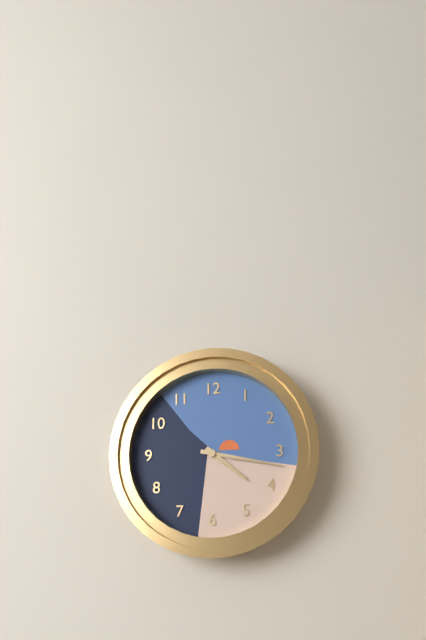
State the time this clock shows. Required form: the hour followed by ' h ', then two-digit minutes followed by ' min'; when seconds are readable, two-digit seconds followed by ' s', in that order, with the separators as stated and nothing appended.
4 h 17 min
